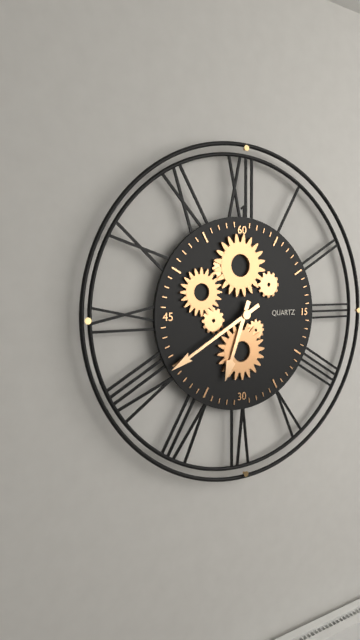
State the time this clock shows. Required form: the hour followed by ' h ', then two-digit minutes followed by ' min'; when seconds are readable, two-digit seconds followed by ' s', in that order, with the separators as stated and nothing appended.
6 h 40 min
